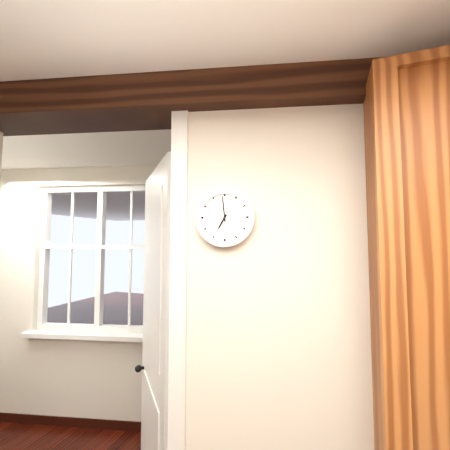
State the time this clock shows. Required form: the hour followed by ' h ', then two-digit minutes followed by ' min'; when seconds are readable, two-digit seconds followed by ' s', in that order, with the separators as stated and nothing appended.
6 h 59 min
